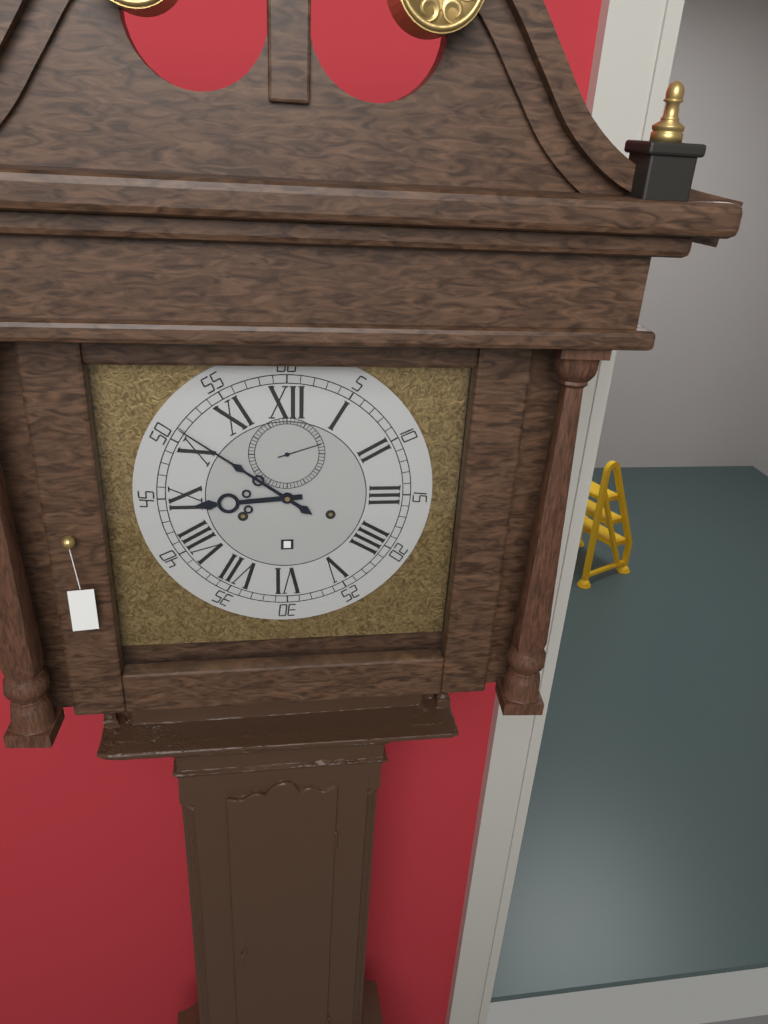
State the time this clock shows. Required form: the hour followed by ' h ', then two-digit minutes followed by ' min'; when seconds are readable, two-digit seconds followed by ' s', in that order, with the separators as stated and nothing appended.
8 h 51 min
